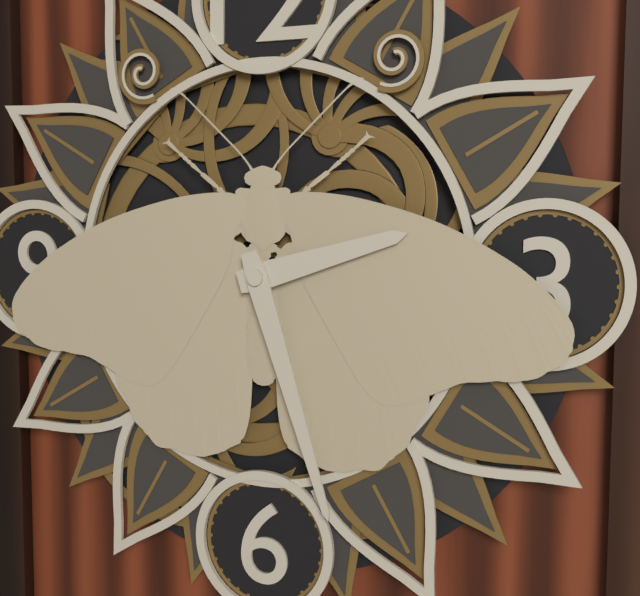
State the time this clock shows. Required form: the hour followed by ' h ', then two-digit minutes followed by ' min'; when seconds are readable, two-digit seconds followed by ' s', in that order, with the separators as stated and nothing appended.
2 h 27 min
